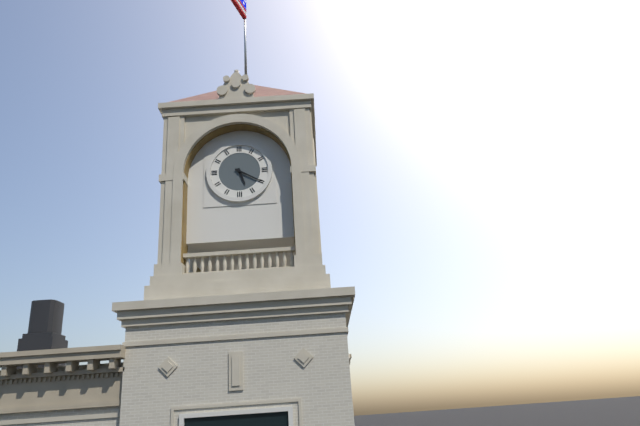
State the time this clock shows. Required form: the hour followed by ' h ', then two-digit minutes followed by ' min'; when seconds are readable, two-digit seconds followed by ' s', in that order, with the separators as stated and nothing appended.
5 h 20 min
